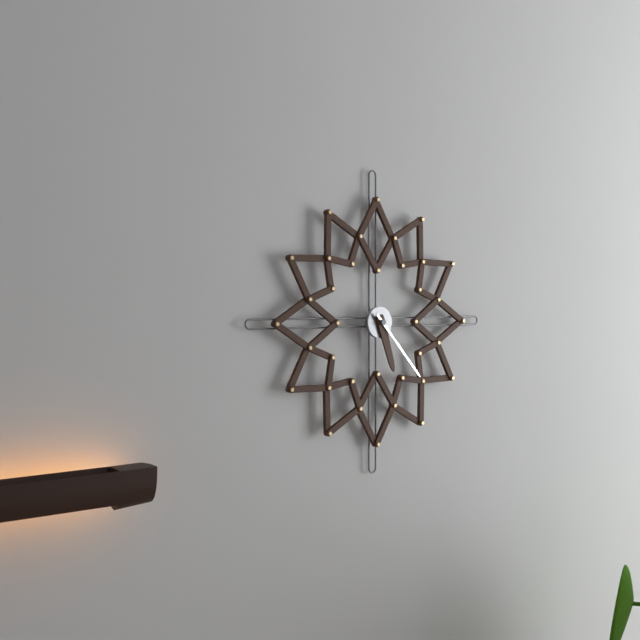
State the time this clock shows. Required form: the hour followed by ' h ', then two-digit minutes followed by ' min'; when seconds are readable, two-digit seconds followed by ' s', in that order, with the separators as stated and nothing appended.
5 h 23 min
